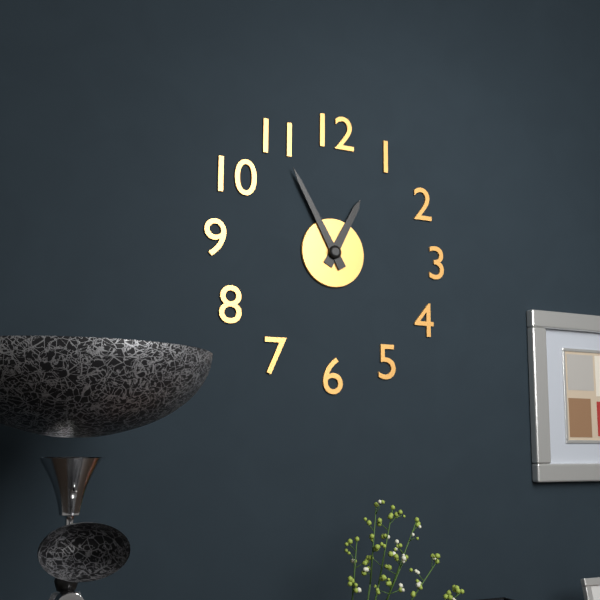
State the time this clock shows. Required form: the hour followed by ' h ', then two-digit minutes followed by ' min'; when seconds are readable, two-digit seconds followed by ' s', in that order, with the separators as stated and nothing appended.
12 h 55 min
